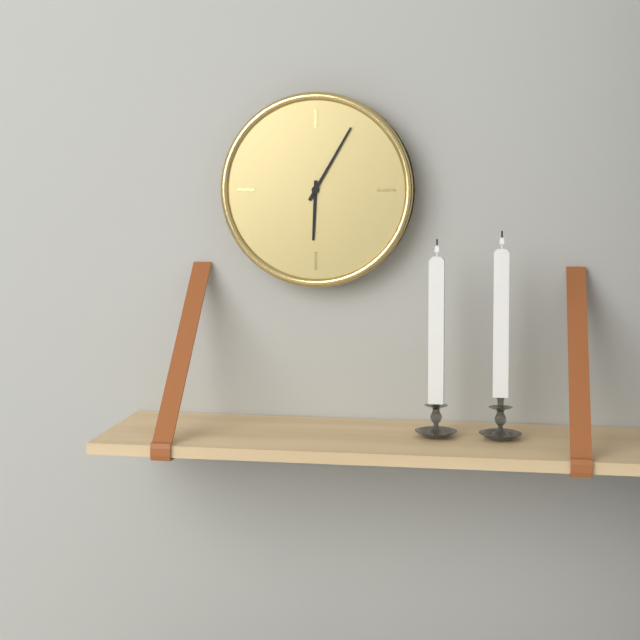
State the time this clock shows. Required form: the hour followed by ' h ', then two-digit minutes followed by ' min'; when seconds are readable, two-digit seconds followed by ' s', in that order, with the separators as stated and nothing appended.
6 h 05 min
